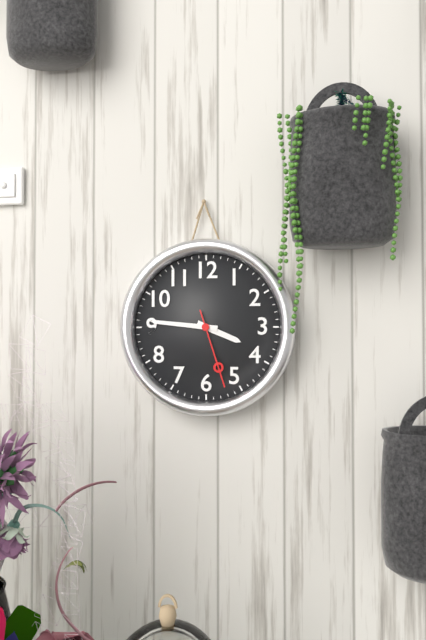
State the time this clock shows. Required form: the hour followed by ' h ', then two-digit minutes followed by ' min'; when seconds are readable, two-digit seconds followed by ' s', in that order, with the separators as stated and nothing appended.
3 h 46 min 27 s
